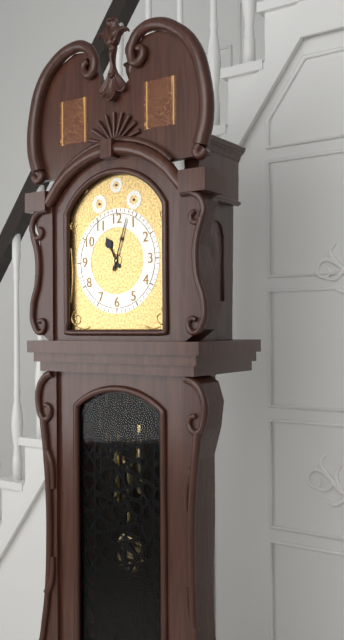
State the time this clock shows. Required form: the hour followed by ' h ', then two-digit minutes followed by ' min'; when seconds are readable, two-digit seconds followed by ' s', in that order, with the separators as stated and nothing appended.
11 h 03 min
